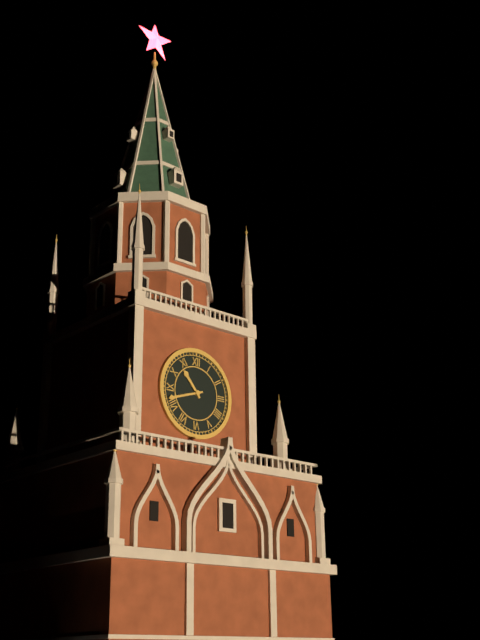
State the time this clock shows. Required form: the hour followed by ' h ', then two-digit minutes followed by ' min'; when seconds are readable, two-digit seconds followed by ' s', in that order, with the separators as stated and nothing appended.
10 h 42 min
